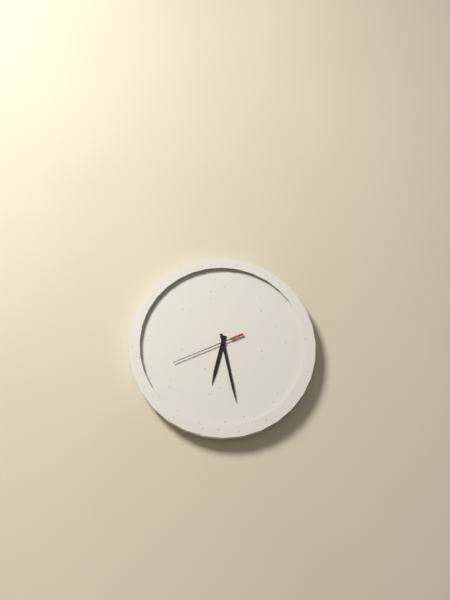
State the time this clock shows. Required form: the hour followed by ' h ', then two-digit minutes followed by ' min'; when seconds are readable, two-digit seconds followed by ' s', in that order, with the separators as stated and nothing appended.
6 h 28 min 41 s
